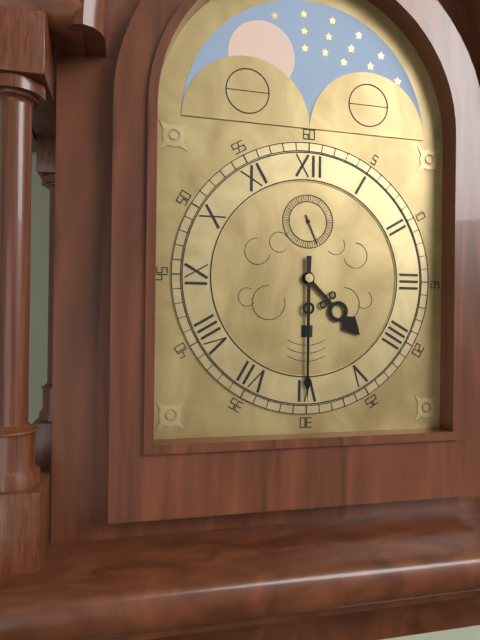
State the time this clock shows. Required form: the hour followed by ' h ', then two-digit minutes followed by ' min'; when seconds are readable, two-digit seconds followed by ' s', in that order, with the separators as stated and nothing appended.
4 h 30 min
